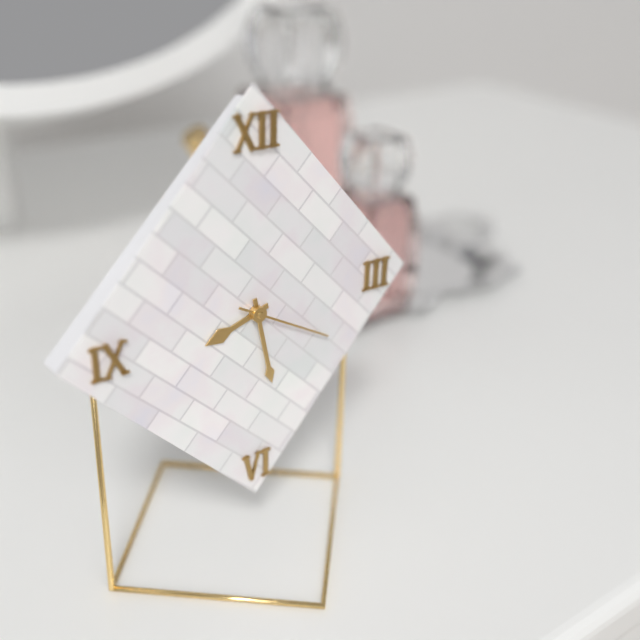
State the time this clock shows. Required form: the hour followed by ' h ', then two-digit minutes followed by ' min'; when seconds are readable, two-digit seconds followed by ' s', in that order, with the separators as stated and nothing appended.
8 h 28 min 20 s
